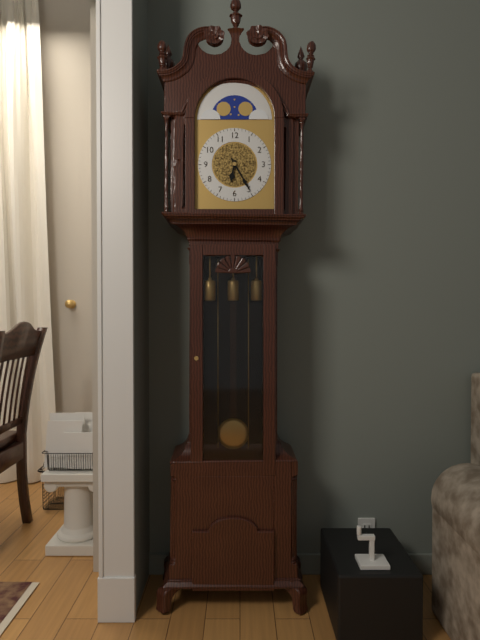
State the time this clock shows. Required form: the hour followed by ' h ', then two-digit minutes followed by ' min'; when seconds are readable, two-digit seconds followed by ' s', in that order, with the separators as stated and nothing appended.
6 h 25 min
